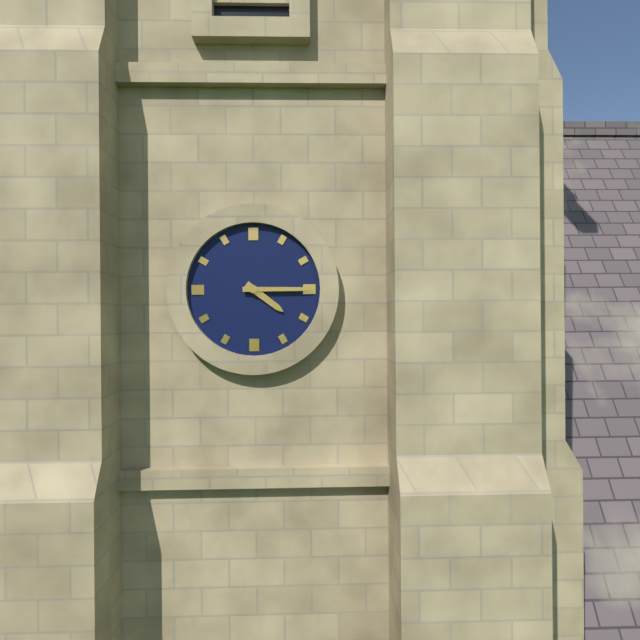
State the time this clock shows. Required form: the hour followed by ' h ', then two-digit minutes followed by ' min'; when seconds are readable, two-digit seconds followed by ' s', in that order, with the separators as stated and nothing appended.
4 h 15 min
